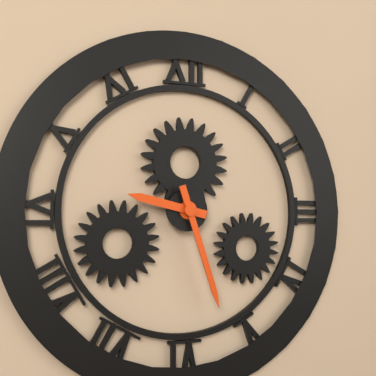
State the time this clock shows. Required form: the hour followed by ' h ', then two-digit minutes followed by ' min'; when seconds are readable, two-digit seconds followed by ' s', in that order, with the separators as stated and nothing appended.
9 h 27 min
